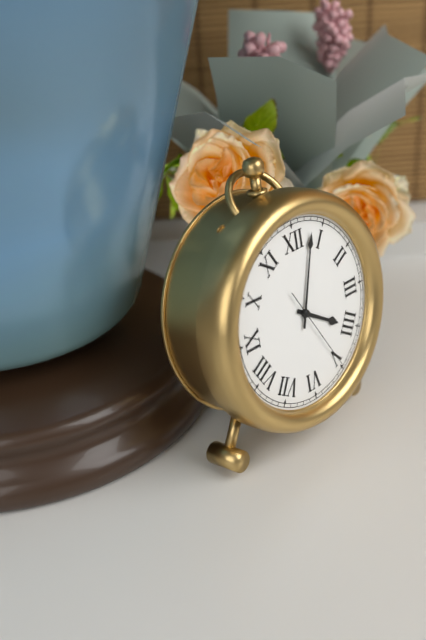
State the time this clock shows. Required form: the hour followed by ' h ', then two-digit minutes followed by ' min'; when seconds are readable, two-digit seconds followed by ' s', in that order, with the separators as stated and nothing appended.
4 h 03 min 25 s
